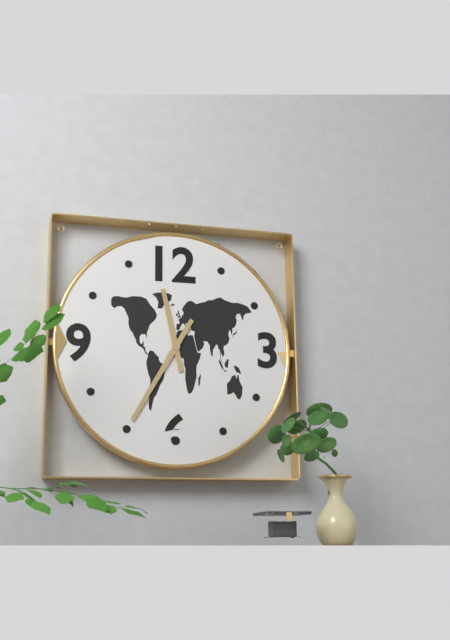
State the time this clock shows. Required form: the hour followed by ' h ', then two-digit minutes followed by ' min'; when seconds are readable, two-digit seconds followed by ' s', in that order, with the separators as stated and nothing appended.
11 h 35 min
